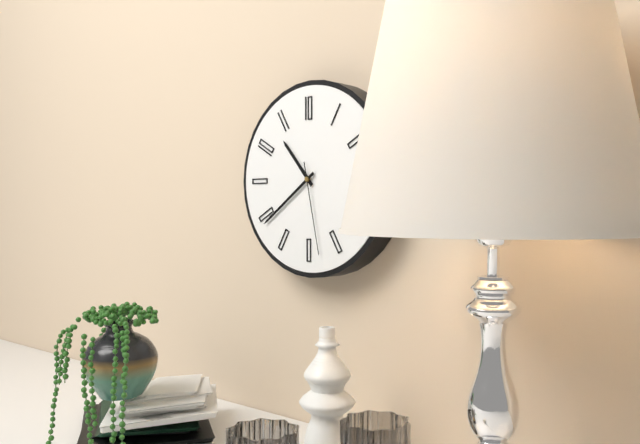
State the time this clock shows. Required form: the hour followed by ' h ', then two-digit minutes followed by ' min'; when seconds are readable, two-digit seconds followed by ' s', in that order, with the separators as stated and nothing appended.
10 h 39 min 28 s
